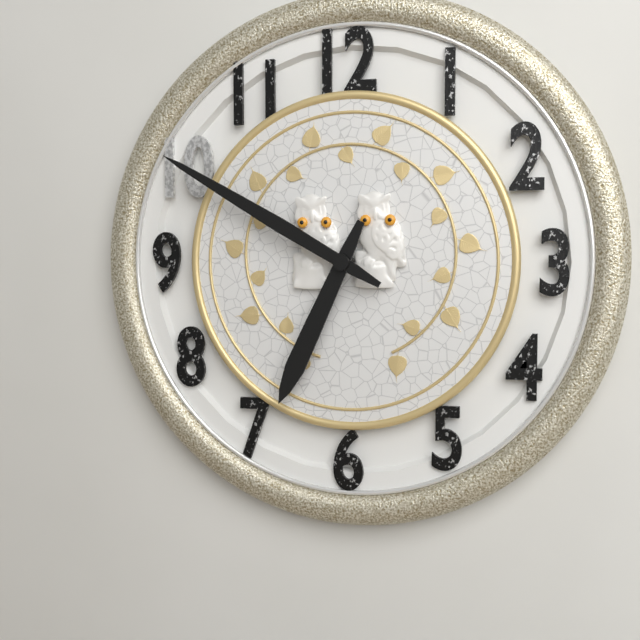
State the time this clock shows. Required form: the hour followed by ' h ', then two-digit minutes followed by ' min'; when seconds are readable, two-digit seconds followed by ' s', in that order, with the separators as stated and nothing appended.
6 h 50 min
